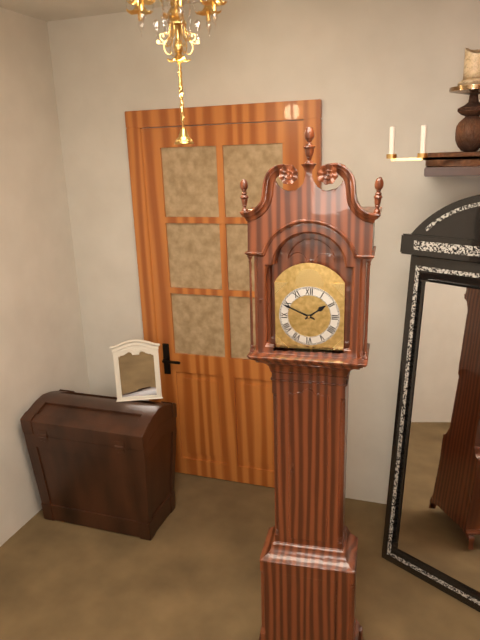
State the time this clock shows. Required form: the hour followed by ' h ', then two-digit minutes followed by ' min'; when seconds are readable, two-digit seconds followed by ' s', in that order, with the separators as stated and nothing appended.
1 h 49 min
